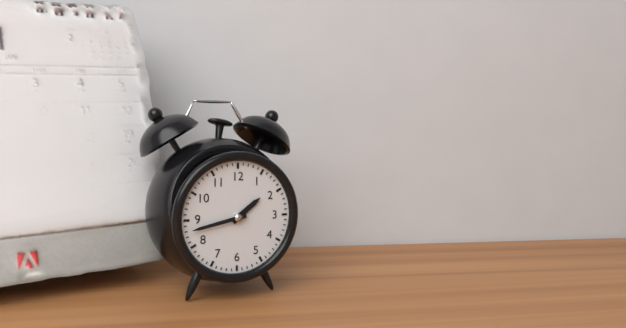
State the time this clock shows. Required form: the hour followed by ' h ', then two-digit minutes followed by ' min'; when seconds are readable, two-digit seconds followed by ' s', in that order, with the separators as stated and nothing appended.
1 h 43 min
